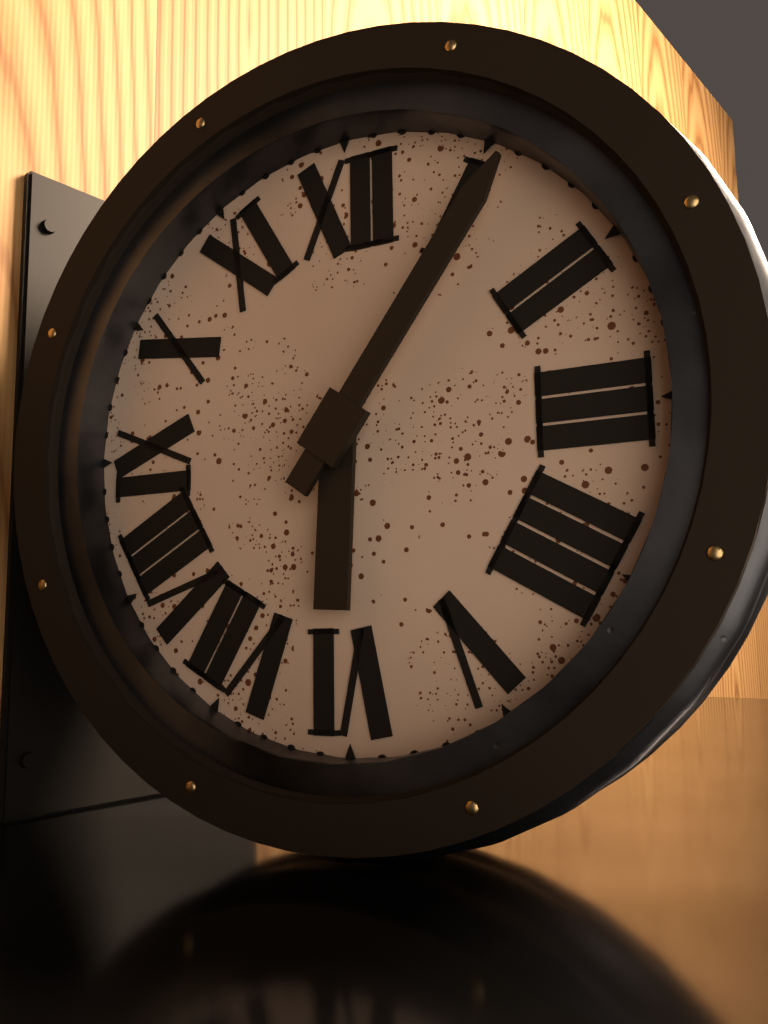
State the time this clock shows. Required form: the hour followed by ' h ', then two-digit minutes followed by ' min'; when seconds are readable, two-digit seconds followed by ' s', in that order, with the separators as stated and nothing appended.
6 h 06 min
